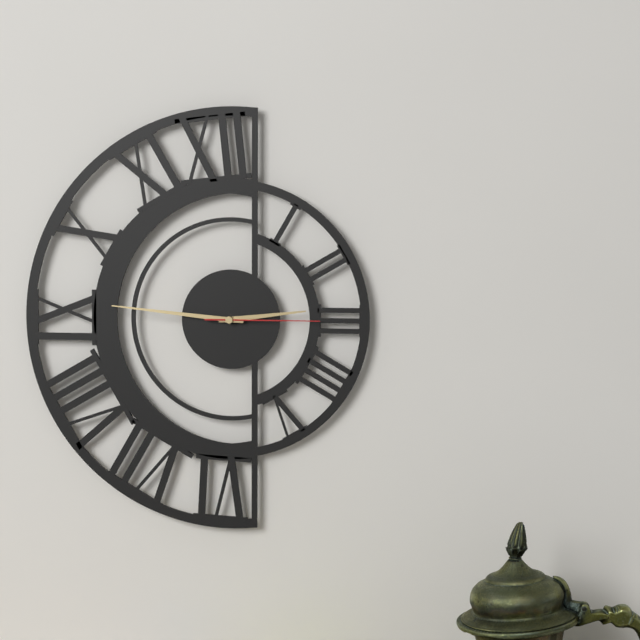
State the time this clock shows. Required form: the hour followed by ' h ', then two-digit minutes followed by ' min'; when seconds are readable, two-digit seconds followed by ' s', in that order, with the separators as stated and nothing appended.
2 h 46 min 15 s
